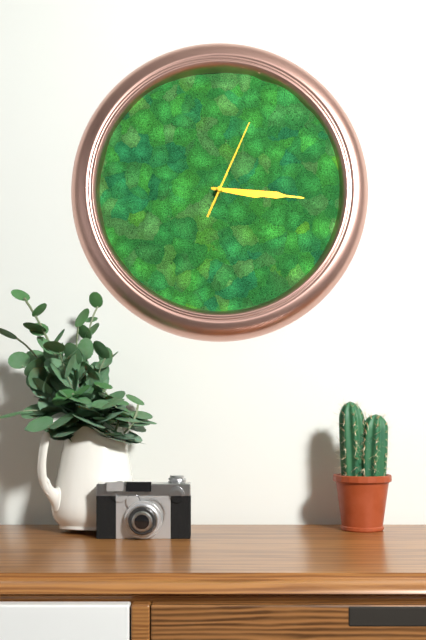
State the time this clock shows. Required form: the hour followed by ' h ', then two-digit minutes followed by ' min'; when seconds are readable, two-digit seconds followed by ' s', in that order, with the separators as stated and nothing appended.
3 h 16 min 04 s
